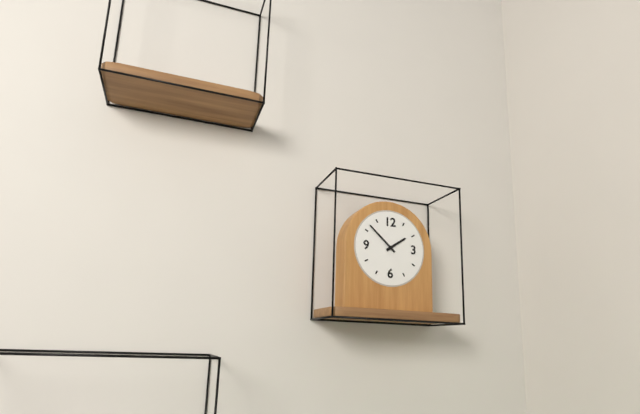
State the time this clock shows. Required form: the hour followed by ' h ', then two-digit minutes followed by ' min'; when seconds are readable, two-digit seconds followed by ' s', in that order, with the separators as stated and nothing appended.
1 h 52 min
